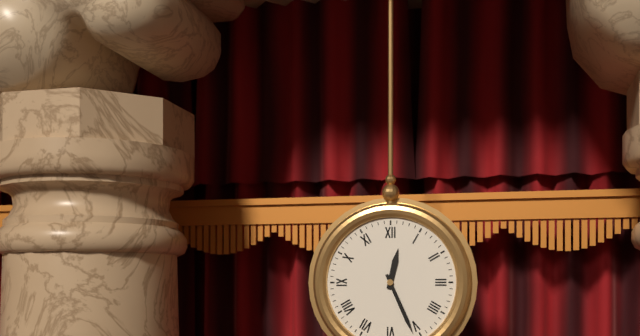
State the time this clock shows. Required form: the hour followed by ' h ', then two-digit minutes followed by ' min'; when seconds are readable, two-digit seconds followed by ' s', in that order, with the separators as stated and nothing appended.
12 h 26 min
